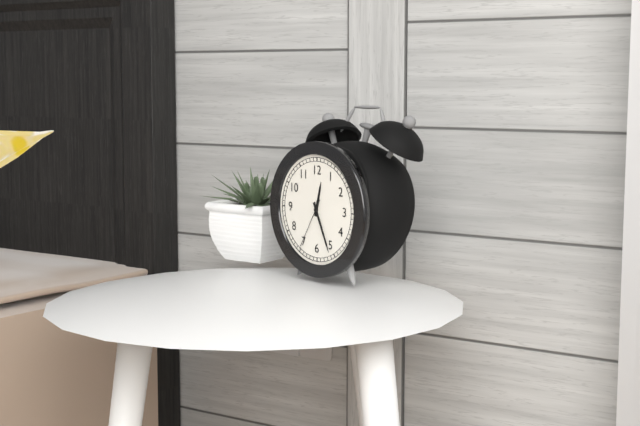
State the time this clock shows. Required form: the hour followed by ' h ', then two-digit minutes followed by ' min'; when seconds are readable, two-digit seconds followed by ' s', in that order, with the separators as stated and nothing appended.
12 h 26 min 35 s
